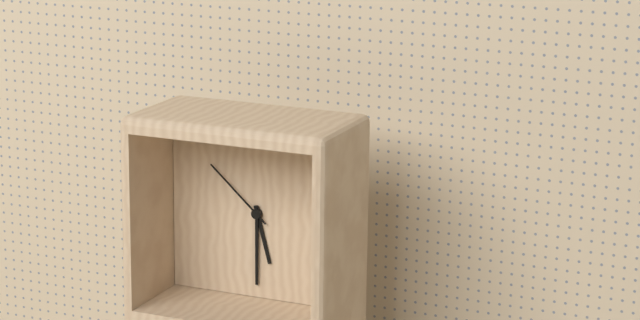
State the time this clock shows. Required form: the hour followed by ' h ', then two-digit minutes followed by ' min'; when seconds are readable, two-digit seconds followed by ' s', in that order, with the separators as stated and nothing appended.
5 h 30 min 52 s
